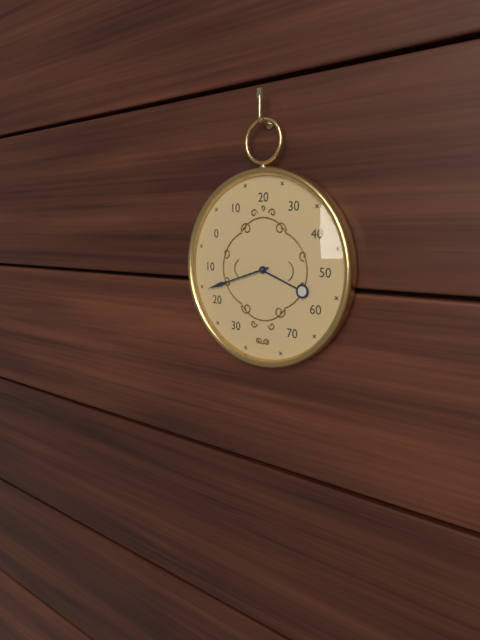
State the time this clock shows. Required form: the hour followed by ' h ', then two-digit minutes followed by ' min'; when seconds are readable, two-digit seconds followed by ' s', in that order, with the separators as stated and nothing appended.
3 h 42 min
